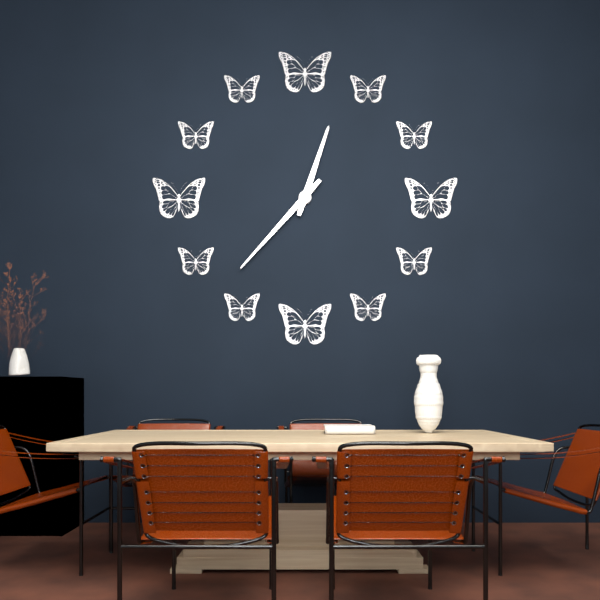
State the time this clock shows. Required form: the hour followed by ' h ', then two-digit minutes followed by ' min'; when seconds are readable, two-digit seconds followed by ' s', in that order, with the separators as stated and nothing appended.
12 h 37 min
